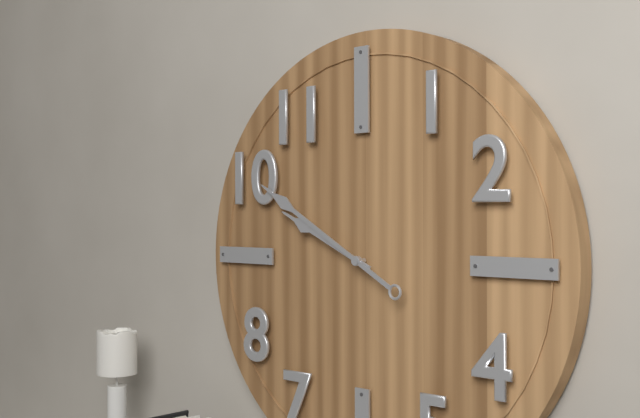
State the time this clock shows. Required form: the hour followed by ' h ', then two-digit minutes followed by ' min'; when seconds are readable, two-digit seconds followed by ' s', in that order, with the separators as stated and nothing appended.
9 h 50 min
